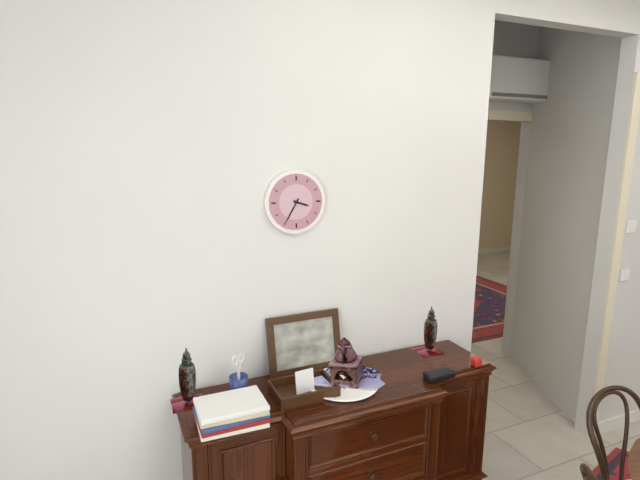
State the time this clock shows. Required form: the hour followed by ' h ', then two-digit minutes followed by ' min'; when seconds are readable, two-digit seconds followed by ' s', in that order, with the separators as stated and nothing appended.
3 h 35 min
